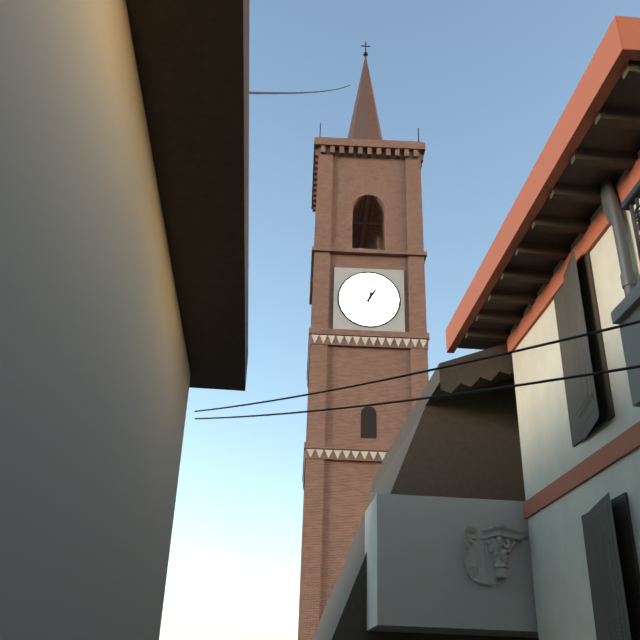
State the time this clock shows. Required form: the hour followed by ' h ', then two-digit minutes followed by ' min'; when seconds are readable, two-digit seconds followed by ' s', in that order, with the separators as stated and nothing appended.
1 h 02 min
